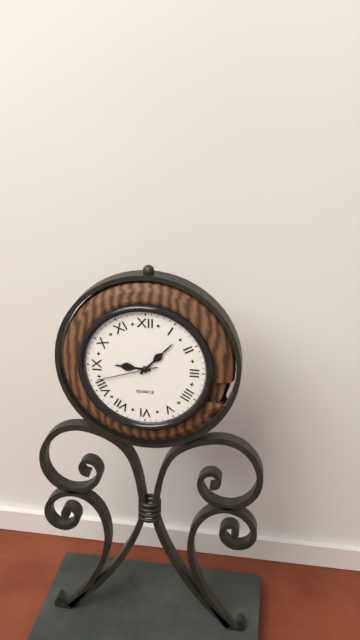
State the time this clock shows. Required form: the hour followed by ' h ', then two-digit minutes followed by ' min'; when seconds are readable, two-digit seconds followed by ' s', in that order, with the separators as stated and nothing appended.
9 h 07 min 42 s
